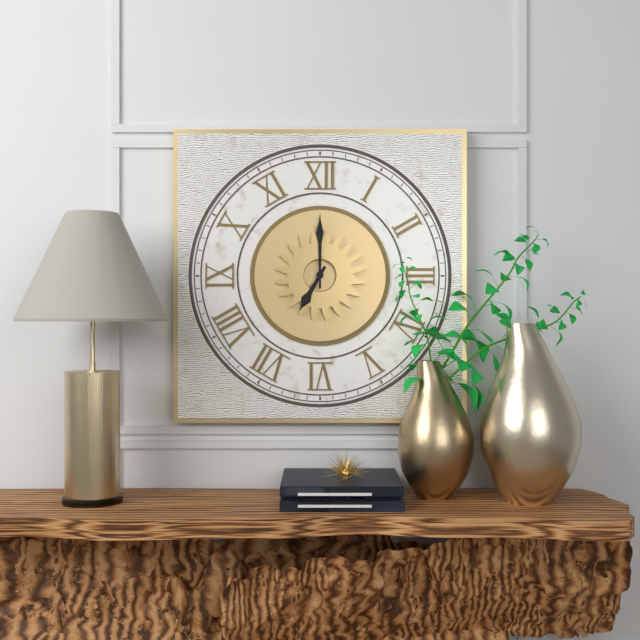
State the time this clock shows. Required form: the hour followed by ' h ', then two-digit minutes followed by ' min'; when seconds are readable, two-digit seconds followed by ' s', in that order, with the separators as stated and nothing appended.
7 h 00 min
